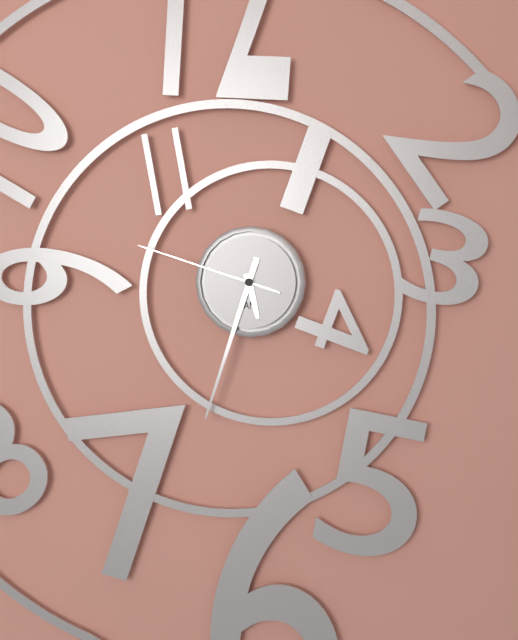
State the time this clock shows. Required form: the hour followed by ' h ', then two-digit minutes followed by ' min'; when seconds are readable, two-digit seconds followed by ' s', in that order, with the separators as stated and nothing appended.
5 h 33 min 48 s
